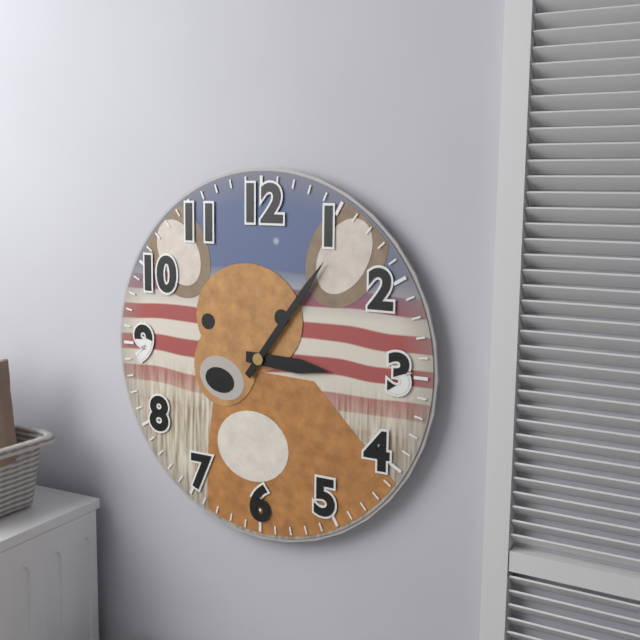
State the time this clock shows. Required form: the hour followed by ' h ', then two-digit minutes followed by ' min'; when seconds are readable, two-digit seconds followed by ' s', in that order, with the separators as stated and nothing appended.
3 h 06 min
